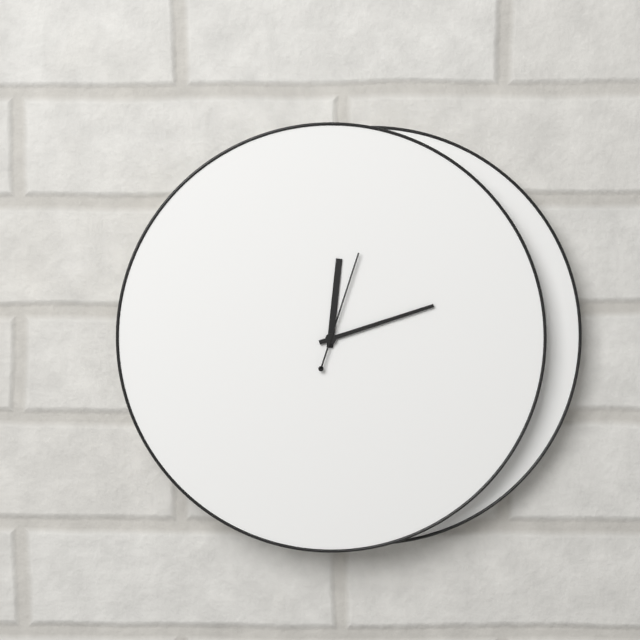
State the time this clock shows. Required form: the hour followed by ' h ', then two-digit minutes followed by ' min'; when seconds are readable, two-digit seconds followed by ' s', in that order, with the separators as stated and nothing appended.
12 h 12 min 03 s
